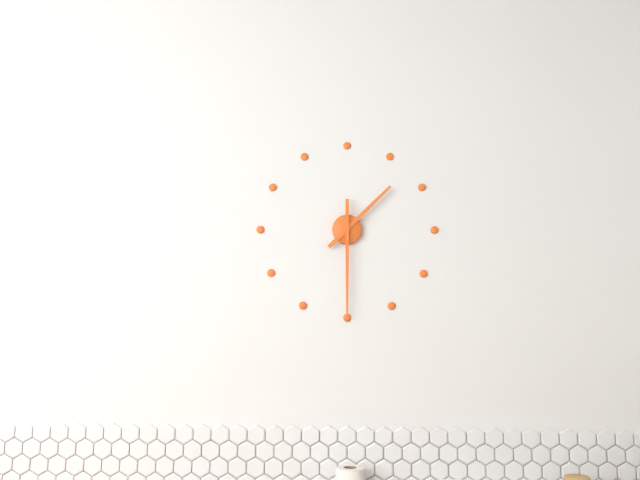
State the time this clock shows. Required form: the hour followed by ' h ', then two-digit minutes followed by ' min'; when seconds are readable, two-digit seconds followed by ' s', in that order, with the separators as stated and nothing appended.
1 h 30 min
